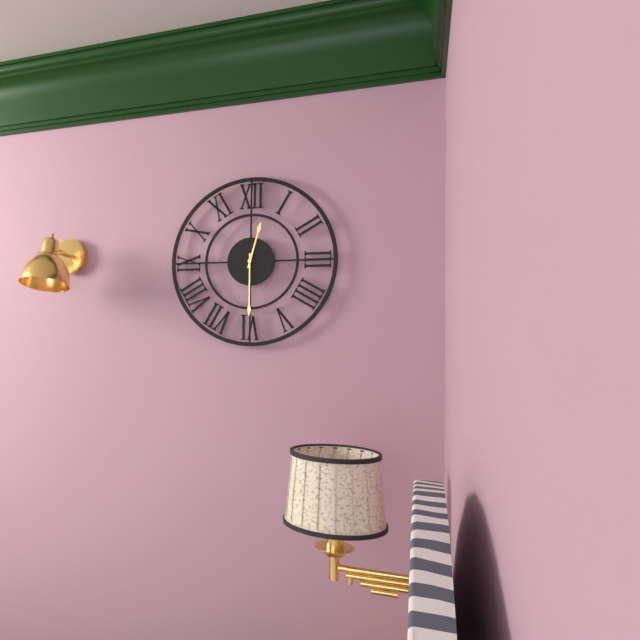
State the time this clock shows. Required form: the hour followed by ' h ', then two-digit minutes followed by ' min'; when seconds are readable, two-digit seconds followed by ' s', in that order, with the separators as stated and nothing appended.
12 h 30 min
